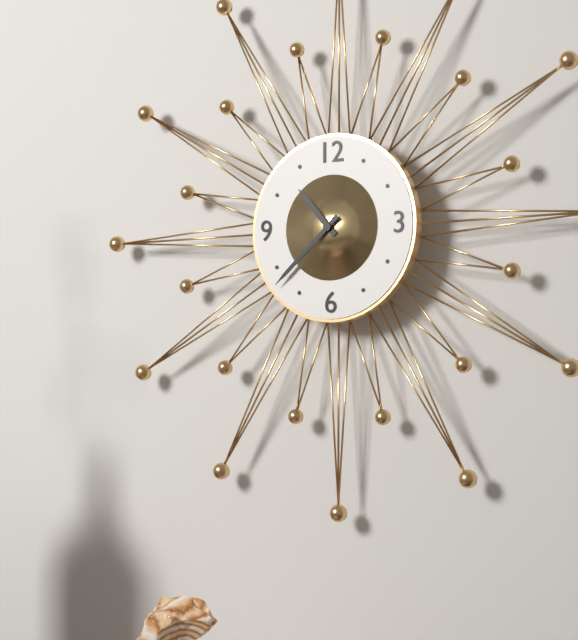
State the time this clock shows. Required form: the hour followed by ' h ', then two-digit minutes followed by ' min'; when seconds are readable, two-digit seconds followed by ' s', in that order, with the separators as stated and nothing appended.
10 h 38 min
